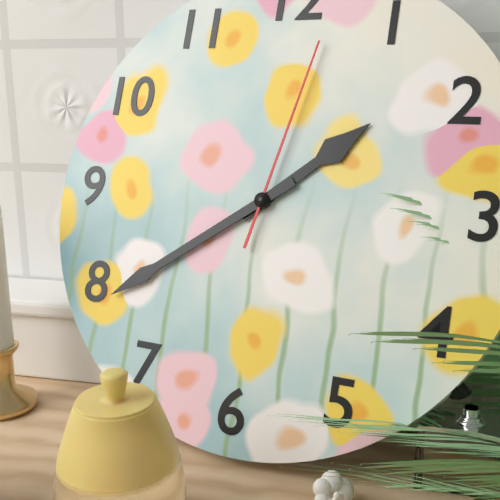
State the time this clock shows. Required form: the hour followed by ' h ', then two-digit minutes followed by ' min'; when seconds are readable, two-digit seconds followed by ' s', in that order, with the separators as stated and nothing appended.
1 h 39 min 02 s
